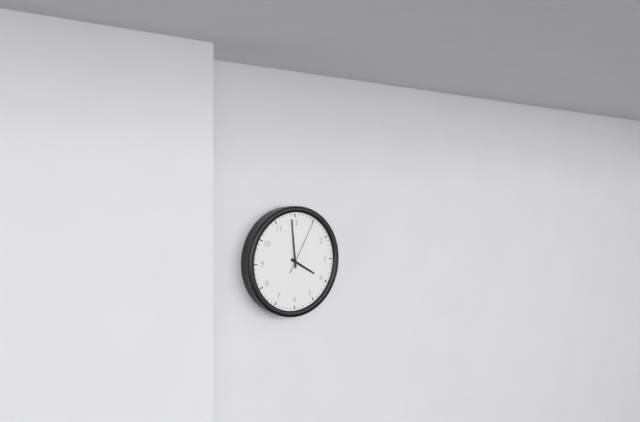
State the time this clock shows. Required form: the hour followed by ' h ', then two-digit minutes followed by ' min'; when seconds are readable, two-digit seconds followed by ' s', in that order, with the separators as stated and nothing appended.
3 h 59 min 05 s
